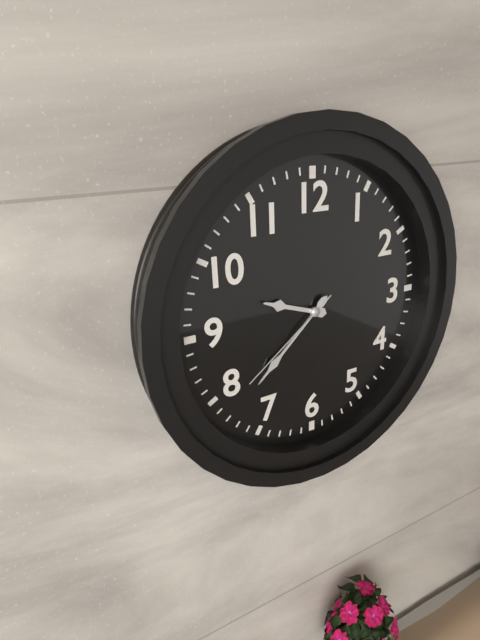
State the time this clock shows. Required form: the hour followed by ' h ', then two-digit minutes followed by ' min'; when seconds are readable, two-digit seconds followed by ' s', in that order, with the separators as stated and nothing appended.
9 h 38 min 39 s
